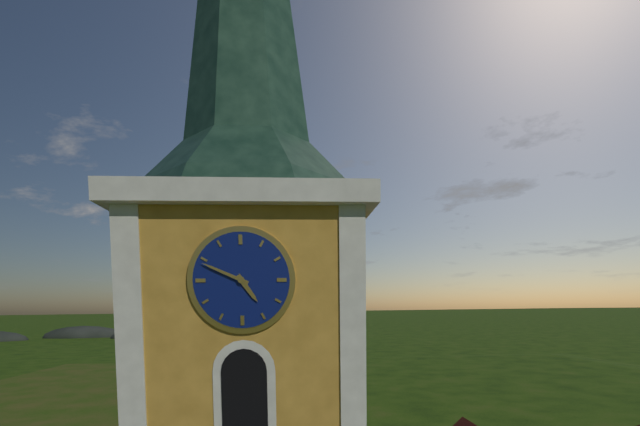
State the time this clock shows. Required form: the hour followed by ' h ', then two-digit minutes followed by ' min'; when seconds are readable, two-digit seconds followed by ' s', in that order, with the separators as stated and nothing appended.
4 h 49 min
